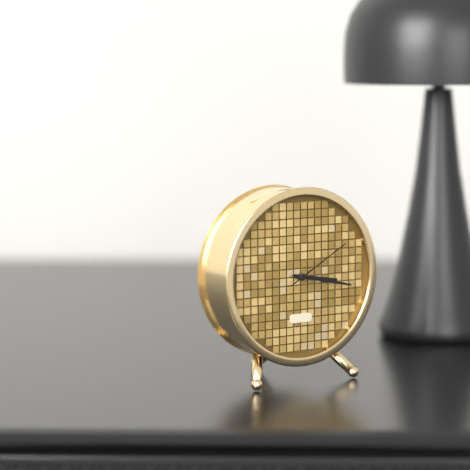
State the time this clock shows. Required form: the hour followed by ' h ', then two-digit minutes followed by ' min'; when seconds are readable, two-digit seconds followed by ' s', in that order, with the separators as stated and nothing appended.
3 h 17 min 10 s
